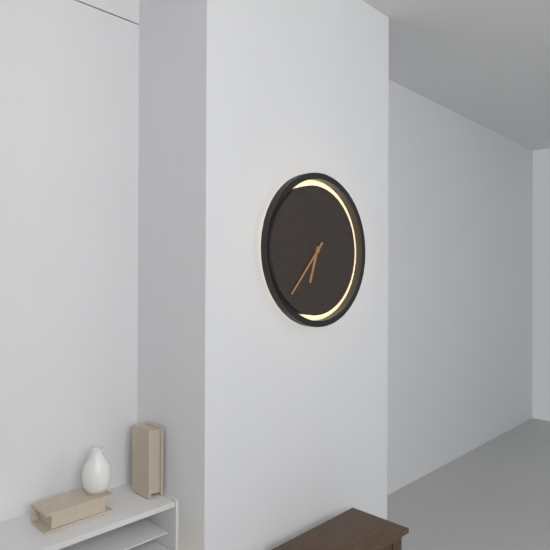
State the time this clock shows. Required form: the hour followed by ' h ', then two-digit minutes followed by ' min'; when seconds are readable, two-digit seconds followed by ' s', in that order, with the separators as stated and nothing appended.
6 h 37 min
